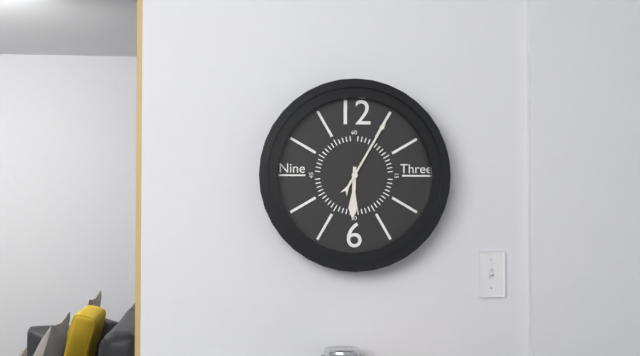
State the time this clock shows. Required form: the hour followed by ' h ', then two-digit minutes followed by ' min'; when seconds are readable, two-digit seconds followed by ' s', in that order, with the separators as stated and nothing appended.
6 h 05 min
